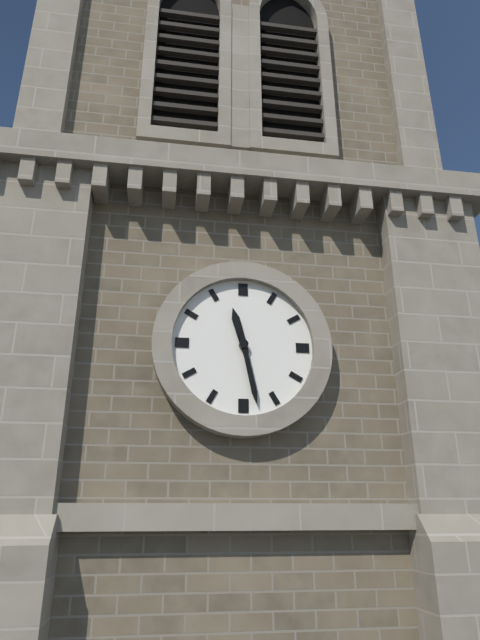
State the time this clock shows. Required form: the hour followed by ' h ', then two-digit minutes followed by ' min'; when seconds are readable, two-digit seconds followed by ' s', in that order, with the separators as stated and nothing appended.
11 h 28 min
